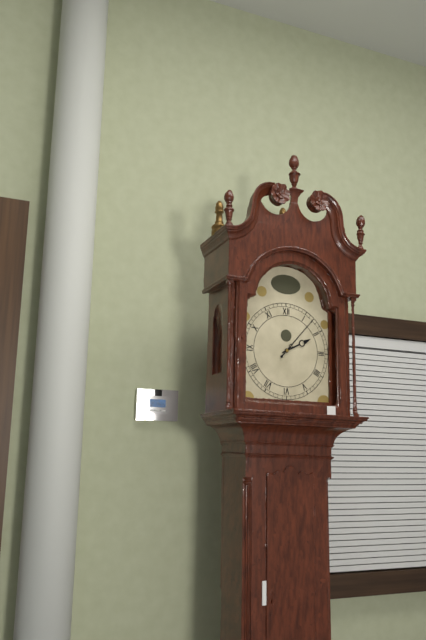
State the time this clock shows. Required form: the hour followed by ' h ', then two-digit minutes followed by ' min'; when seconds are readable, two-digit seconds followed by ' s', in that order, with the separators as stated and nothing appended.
2 h 07 min
